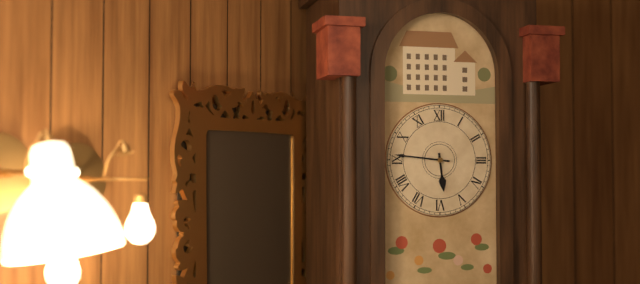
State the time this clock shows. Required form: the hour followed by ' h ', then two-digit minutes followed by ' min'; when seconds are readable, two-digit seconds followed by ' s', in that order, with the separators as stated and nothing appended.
5 h 46 min
